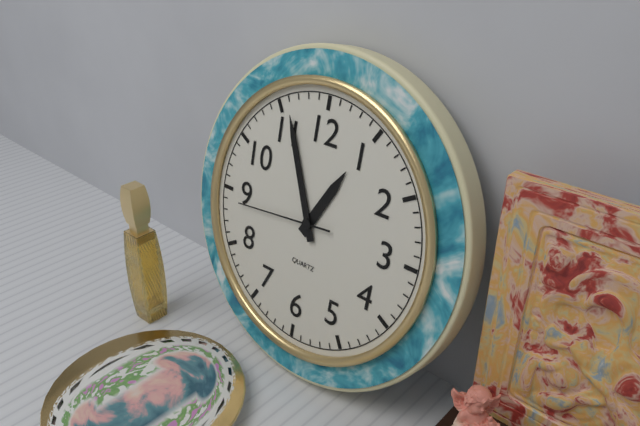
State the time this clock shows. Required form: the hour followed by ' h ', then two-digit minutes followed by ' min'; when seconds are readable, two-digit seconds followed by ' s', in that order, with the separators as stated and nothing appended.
12 h 56 min 44 s
